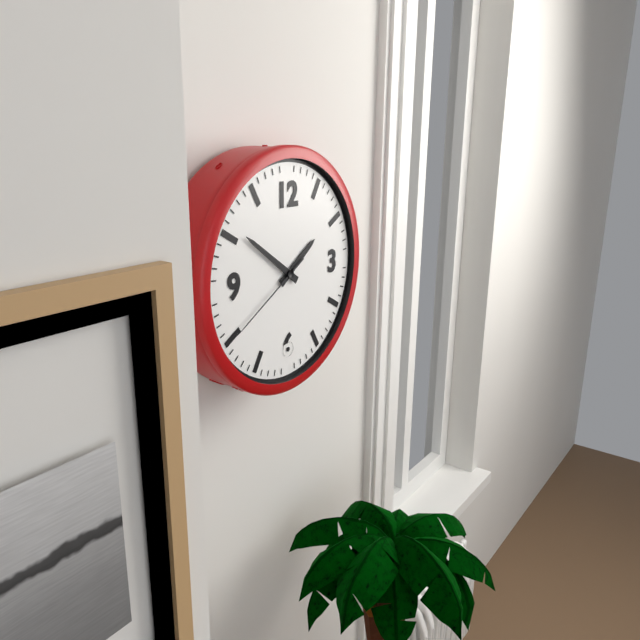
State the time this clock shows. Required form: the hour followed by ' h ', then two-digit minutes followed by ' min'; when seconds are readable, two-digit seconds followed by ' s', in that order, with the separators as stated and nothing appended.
1 h 51 min 40 s
